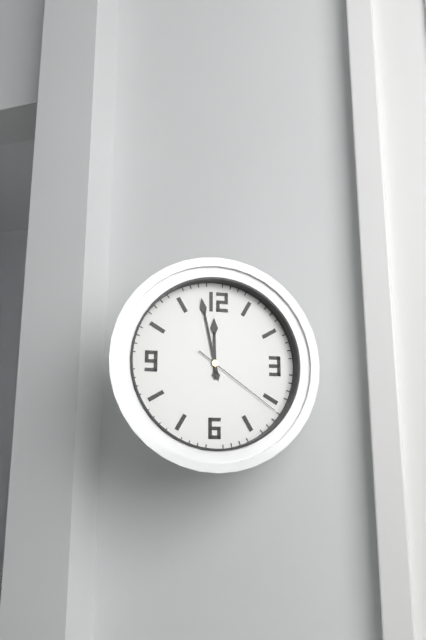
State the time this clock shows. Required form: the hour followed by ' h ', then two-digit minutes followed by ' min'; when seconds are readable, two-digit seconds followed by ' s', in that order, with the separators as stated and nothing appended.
11 h 58 min 21 s
